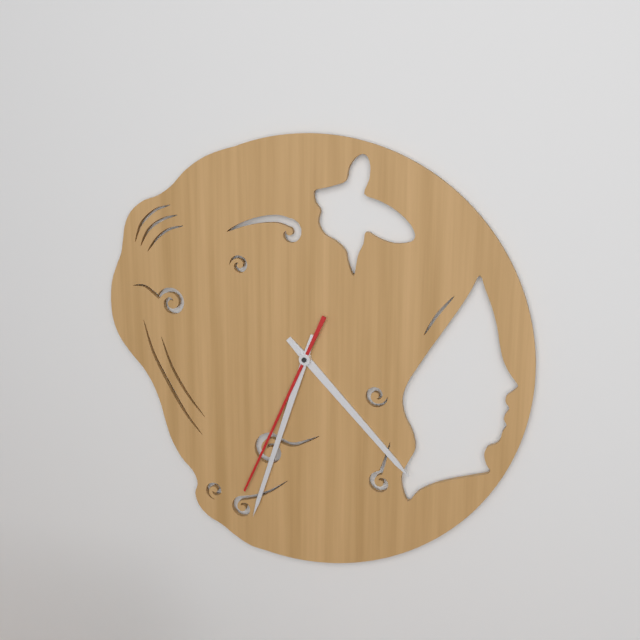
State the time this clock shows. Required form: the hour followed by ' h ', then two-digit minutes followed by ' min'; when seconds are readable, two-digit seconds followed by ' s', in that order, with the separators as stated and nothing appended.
4 h 33 min 34 s
